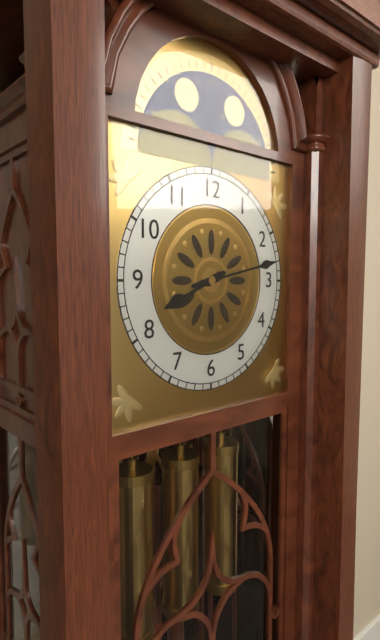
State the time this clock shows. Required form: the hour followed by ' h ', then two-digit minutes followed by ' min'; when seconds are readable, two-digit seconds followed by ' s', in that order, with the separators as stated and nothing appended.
8 h 13 min
